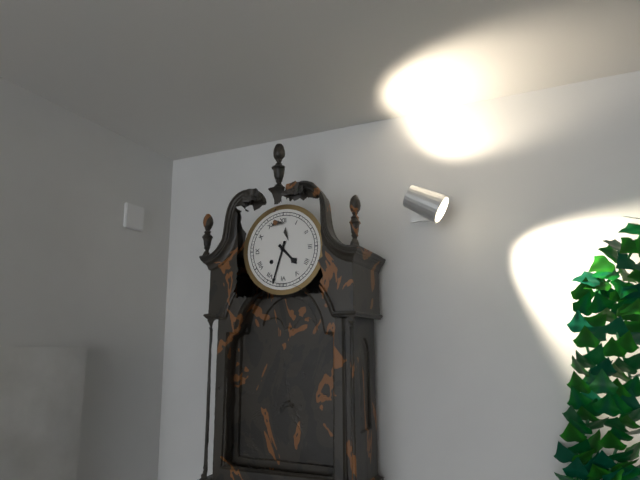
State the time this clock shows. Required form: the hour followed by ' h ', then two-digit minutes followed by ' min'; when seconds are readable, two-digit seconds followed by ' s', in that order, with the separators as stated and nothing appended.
4 h 33 min
